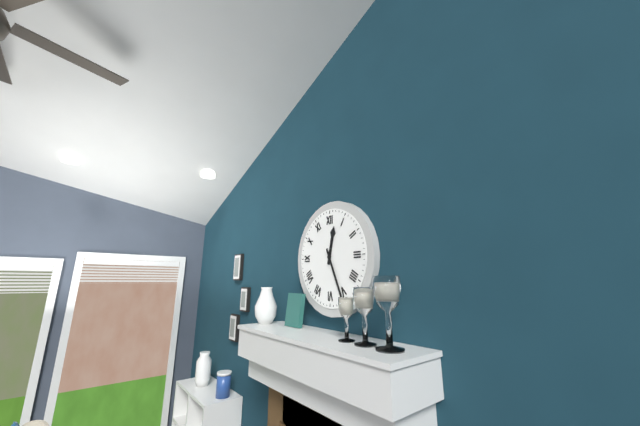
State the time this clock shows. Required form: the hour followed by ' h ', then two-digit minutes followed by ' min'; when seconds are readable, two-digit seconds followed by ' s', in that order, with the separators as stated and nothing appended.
12 h 26 min
